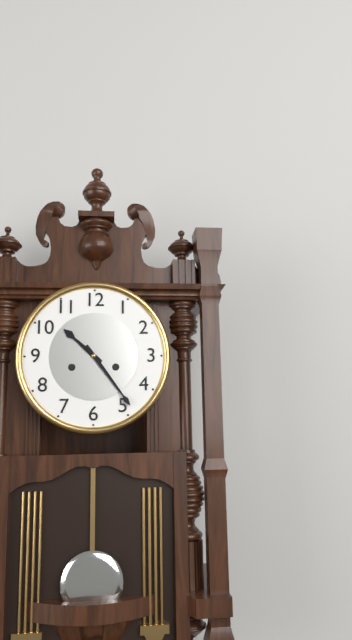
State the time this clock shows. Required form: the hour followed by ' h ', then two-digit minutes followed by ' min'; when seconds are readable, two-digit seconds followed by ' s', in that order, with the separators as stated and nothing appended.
10 h 24 min
